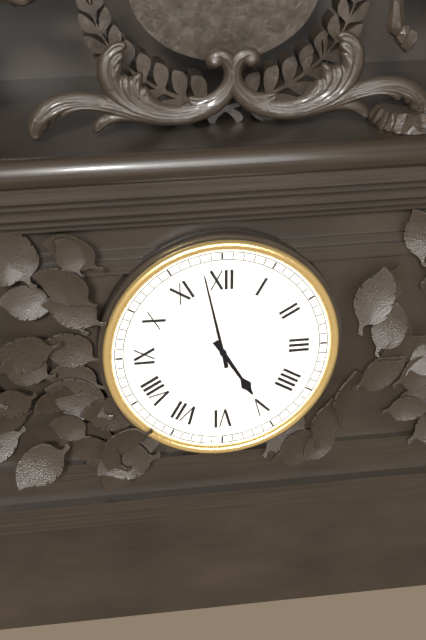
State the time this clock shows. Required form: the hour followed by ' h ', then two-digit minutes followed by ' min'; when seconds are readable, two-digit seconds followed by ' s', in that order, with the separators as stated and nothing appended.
4 h 58 min
